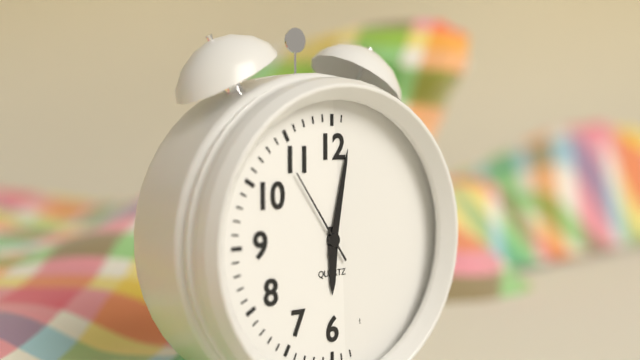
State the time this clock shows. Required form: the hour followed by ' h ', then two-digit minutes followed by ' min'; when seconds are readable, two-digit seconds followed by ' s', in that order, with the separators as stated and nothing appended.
6 h 02 min 54 s
